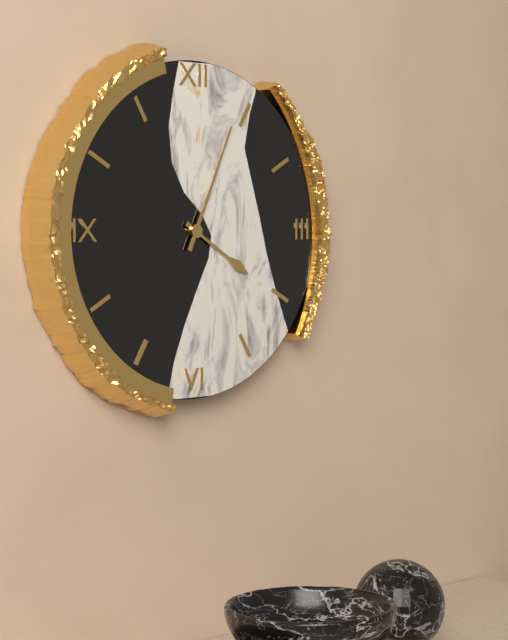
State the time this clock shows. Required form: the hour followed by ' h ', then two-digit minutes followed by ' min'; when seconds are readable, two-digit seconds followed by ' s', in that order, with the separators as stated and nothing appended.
4 h 04 min
